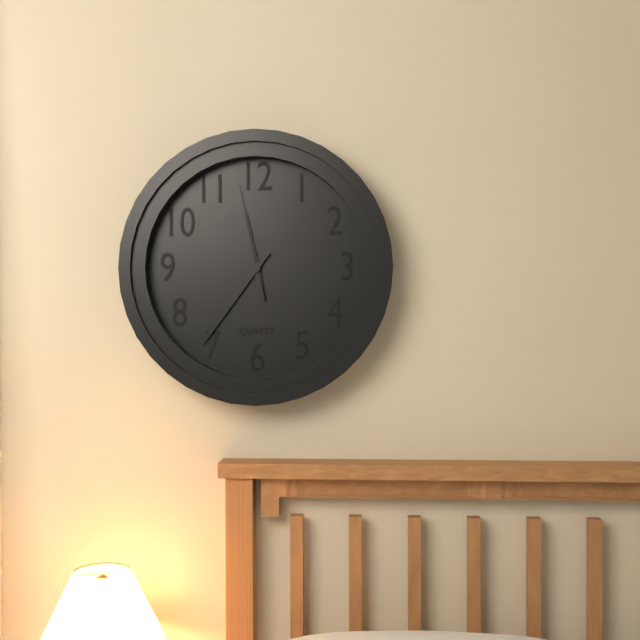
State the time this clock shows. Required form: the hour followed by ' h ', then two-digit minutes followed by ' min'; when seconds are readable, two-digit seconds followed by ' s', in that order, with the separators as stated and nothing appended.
11 h 36 min 58 s
